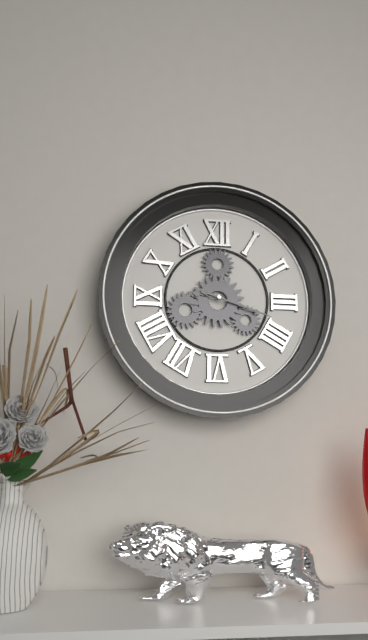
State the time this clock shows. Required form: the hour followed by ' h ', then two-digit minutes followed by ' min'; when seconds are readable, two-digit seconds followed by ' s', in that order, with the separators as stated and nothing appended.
9 h 18 min
